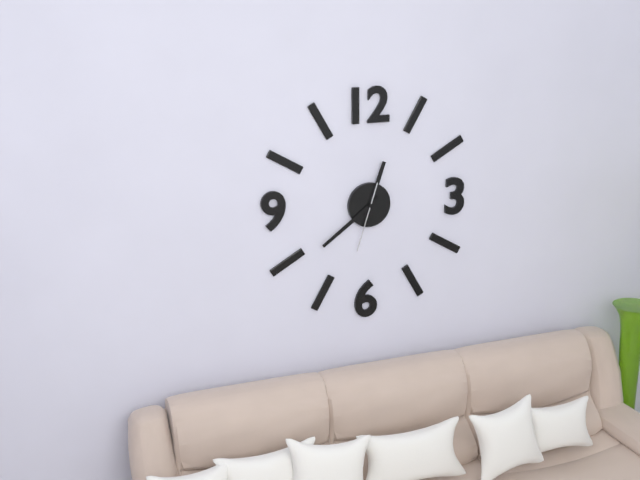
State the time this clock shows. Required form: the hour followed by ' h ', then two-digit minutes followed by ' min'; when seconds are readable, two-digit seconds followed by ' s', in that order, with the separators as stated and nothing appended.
12 h 39 min 33 s
